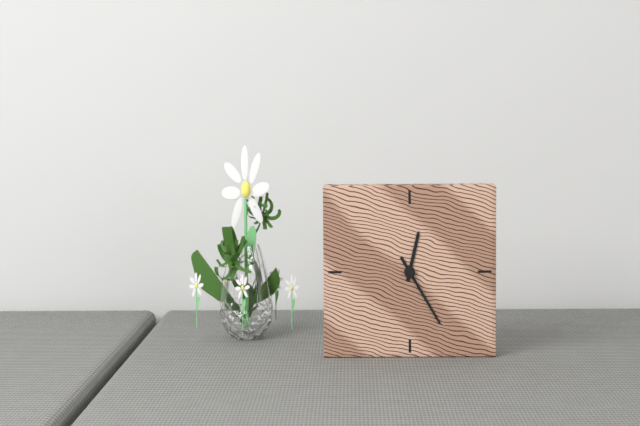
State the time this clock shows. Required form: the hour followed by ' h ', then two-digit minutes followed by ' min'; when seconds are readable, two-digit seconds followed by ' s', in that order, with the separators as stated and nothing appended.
12 h 25 min
